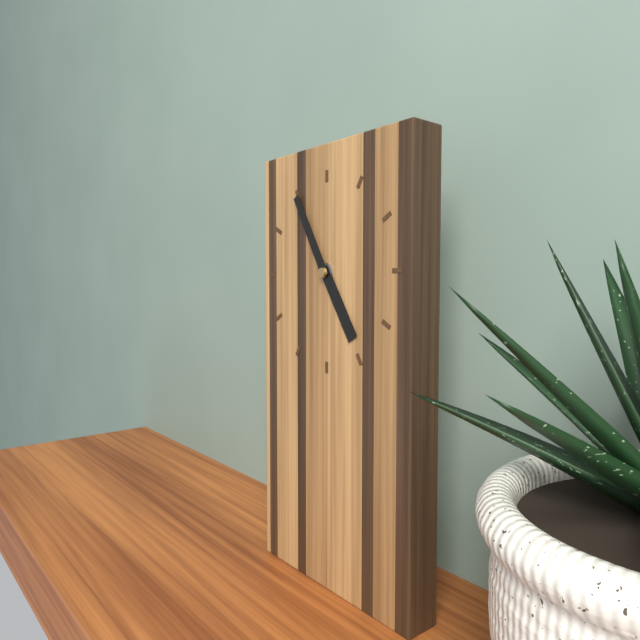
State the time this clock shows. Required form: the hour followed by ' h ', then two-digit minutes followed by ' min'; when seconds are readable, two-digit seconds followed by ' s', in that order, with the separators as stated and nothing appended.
4 h 55 min
